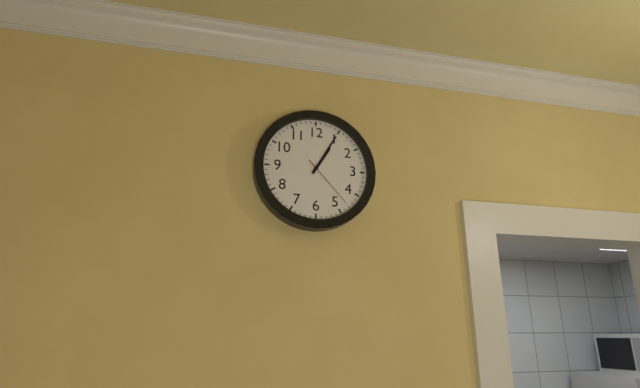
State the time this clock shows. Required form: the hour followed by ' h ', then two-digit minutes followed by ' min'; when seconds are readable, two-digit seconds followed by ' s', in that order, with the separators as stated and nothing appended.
1 h 05 min 23 s
